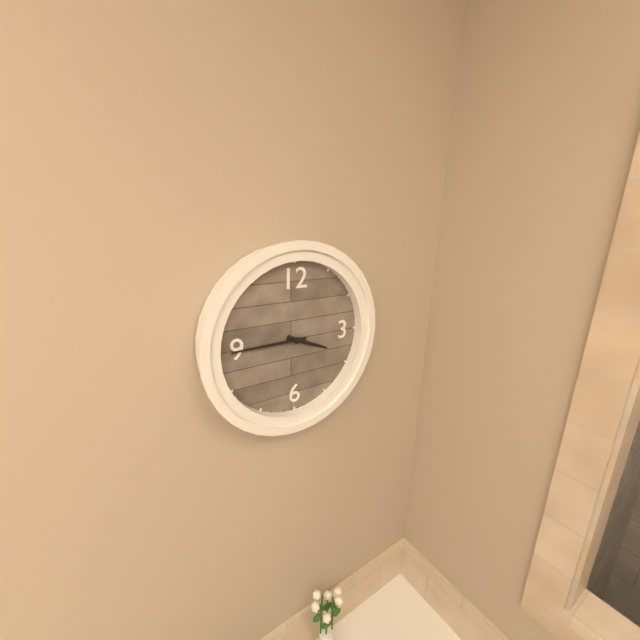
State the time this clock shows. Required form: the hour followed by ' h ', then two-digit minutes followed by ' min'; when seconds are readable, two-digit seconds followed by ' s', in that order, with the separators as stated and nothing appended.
3 h 45 min
